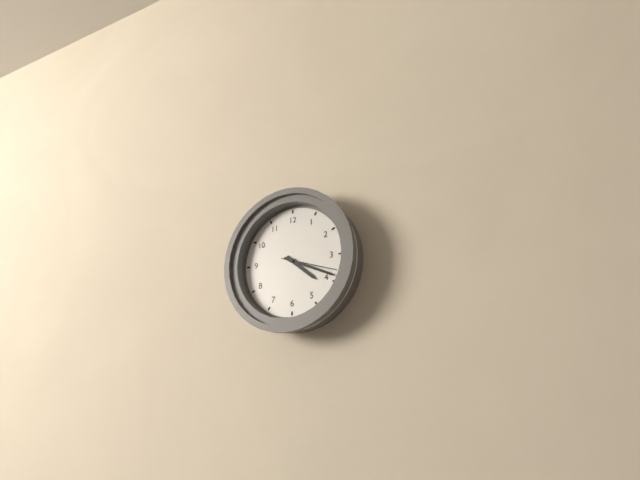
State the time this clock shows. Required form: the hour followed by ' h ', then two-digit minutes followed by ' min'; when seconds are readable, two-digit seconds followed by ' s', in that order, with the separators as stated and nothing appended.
4 h 19 min
